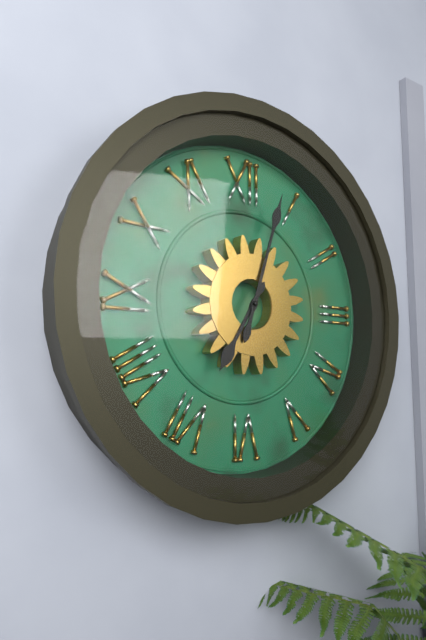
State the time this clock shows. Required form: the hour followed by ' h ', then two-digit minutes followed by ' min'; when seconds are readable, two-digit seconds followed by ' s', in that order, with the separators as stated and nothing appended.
7 h 03 min
